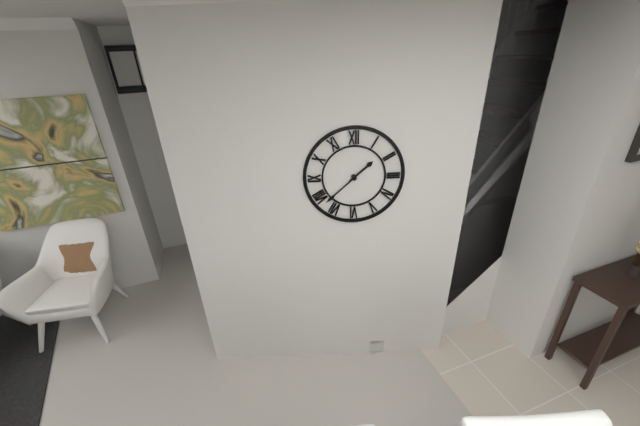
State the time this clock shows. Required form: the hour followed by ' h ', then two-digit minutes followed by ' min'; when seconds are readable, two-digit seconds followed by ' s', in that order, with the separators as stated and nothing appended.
1 h 38 min
